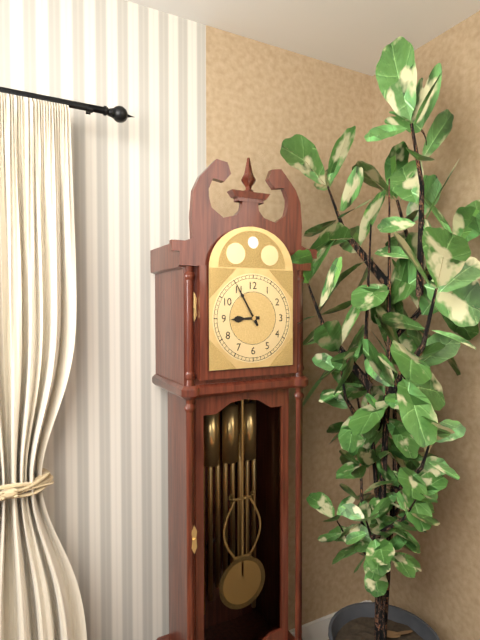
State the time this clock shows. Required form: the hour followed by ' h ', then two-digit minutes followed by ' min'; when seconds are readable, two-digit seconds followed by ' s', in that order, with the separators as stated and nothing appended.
8 h 55 min
